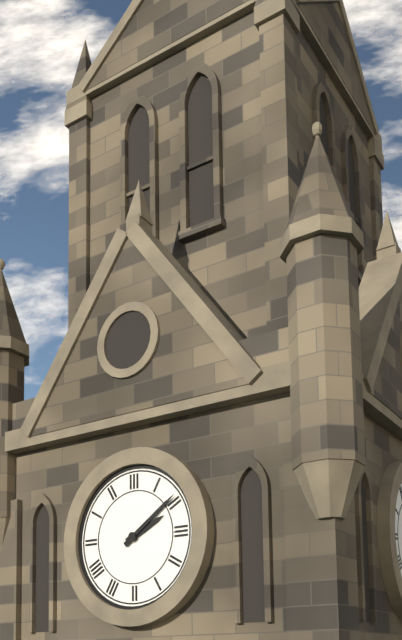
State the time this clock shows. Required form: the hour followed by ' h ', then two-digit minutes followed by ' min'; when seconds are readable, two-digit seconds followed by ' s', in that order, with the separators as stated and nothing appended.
2 h 09 min
